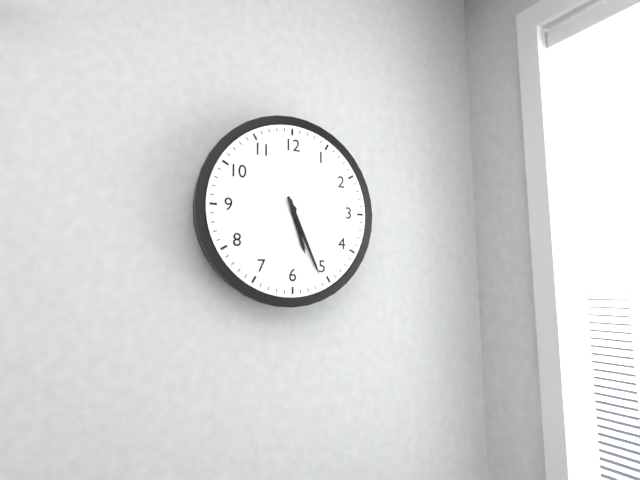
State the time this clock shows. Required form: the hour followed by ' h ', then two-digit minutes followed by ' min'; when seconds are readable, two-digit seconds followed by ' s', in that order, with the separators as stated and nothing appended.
5 h 26 min
